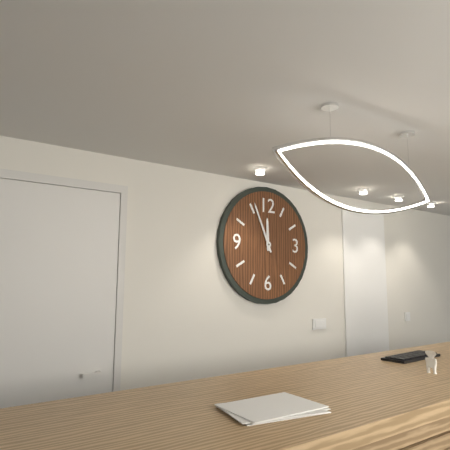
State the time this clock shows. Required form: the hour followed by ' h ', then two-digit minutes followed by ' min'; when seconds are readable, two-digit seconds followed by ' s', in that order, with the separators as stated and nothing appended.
11 h 56 min
